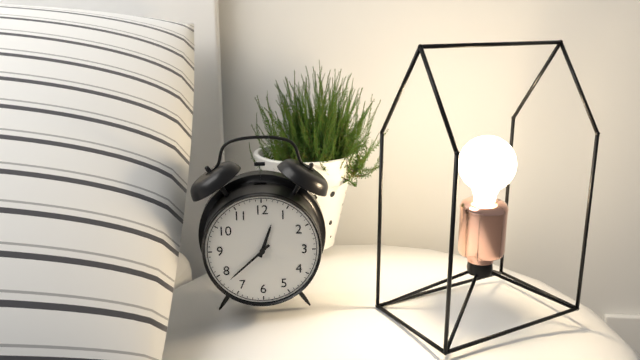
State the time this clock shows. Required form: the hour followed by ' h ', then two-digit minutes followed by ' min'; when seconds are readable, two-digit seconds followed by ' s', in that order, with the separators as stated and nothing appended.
12 h 38 min
